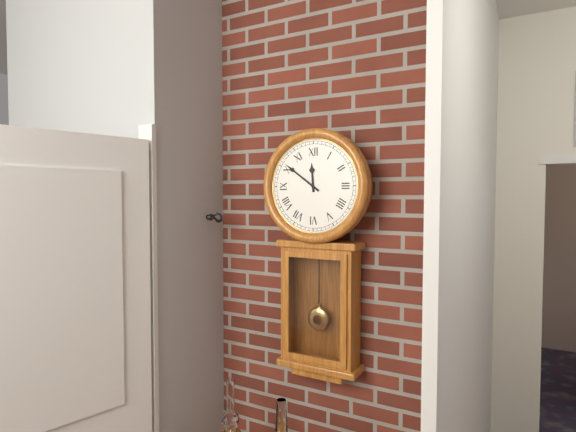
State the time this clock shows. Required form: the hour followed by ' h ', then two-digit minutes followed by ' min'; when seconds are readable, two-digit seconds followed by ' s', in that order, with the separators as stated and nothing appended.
11 h 51 min
